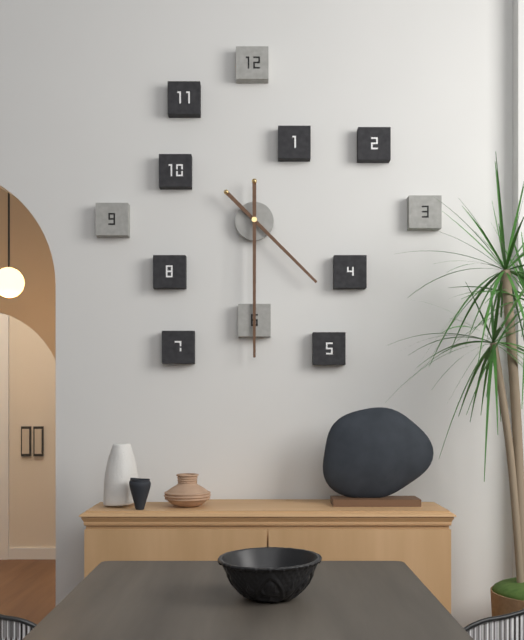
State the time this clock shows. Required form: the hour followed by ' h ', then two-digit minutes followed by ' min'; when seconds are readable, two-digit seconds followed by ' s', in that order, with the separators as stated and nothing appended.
4 h 30 min
